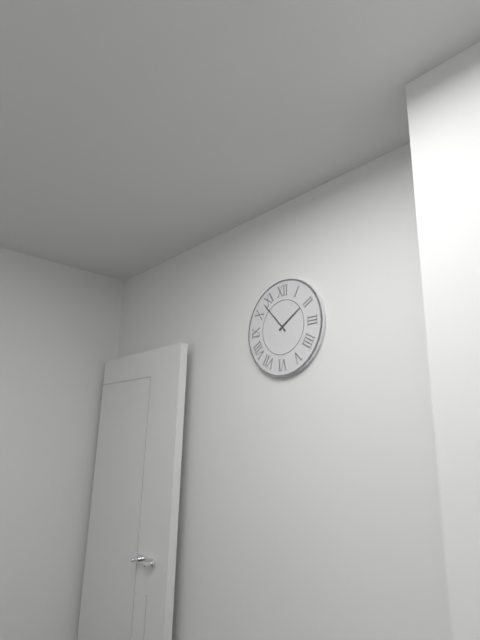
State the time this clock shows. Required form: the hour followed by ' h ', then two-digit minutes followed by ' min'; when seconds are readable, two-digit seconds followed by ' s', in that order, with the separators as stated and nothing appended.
1 h 53 min
